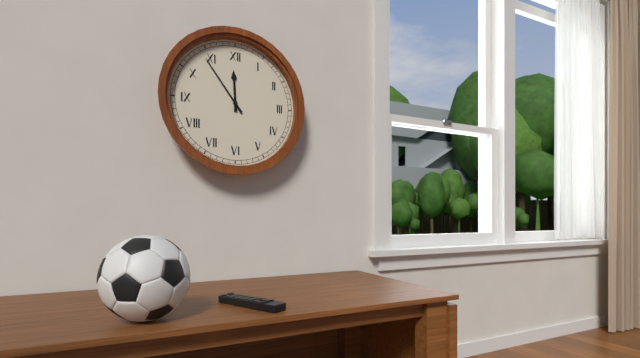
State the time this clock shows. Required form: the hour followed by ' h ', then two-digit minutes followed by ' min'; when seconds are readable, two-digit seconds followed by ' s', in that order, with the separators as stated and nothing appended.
11 h 54 min
